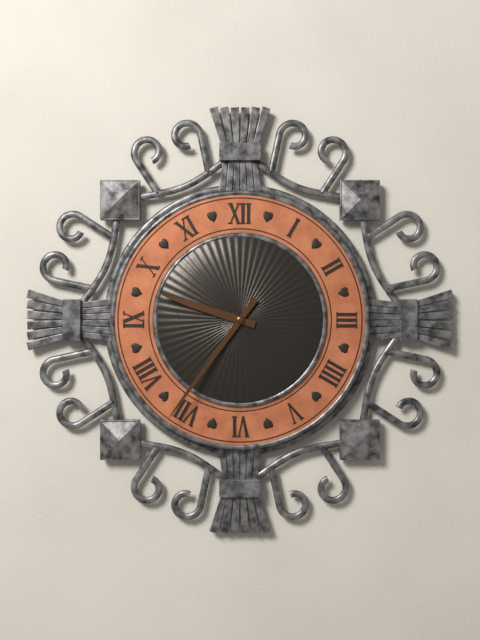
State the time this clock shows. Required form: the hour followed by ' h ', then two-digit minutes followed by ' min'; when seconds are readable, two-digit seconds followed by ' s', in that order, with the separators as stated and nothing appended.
9 h 36 min
